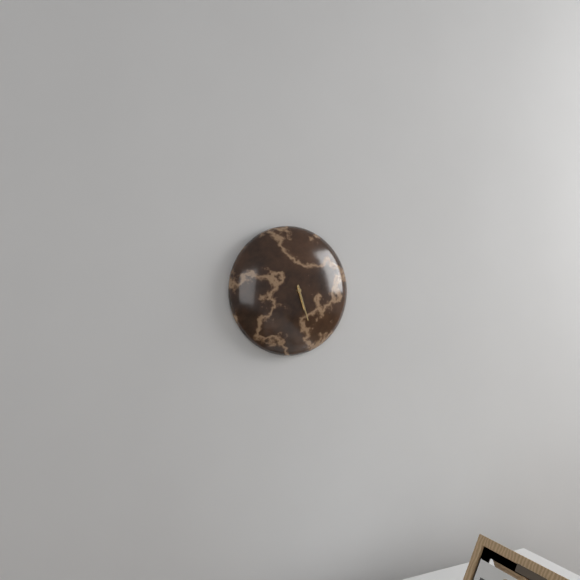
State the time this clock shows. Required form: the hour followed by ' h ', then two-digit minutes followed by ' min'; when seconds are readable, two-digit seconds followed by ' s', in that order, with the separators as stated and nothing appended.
5 h 27 min
